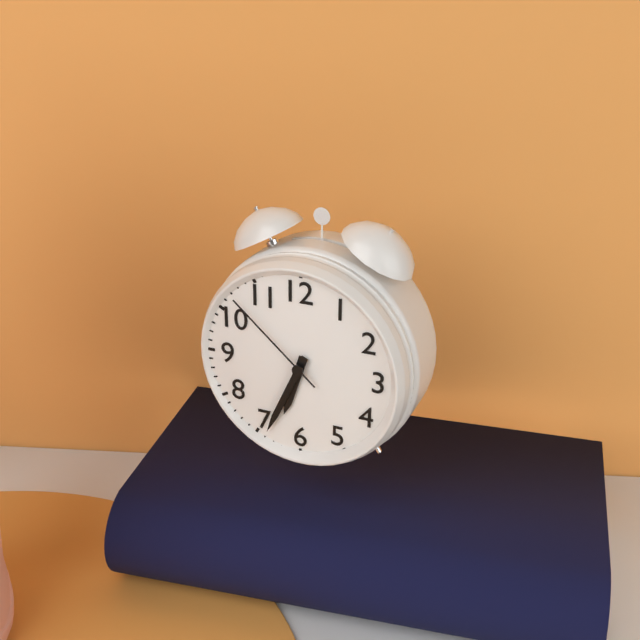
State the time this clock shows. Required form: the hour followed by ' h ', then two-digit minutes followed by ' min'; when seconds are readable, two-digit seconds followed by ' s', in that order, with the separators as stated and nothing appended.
6 h 34 min 52 s
